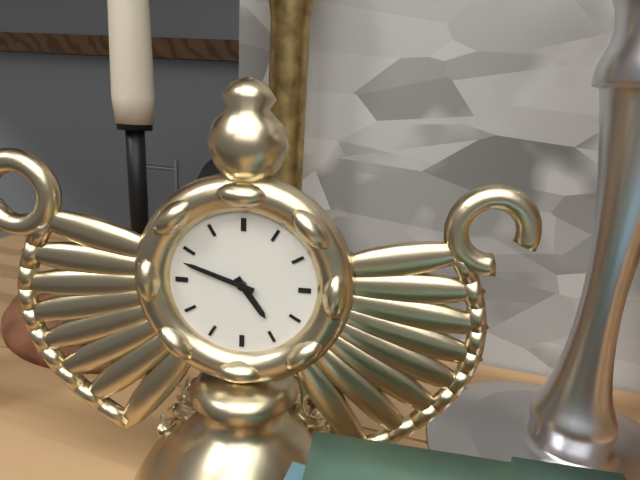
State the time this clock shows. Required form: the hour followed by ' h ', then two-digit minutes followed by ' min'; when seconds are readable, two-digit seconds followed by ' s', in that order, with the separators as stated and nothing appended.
4 h 48 min
